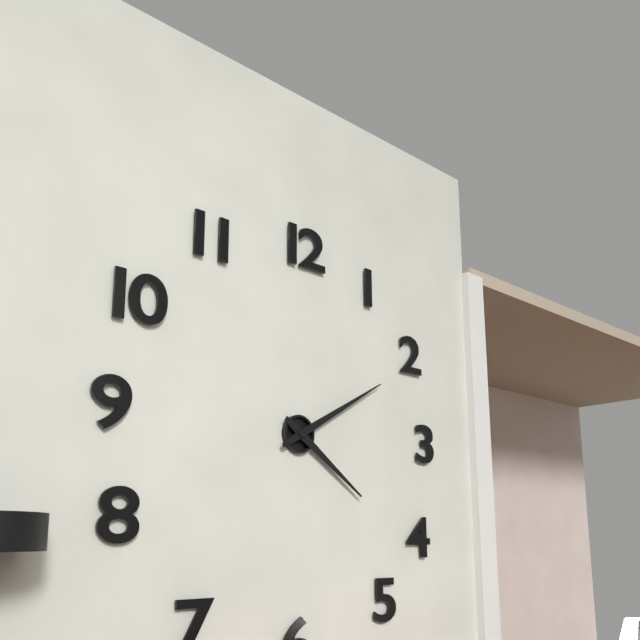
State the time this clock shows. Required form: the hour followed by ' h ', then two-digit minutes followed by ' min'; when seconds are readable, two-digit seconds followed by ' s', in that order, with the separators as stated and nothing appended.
4 h 10 min
